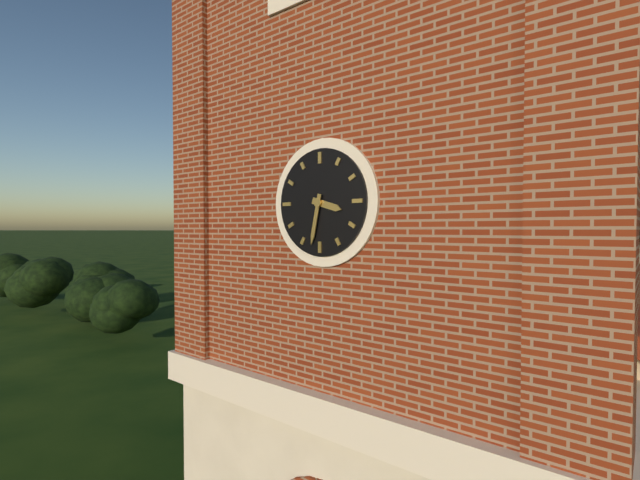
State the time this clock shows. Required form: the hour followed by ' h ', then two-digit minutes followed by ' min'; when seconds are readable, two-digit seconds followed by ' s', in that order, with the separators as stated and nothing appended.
3 h 32 min
